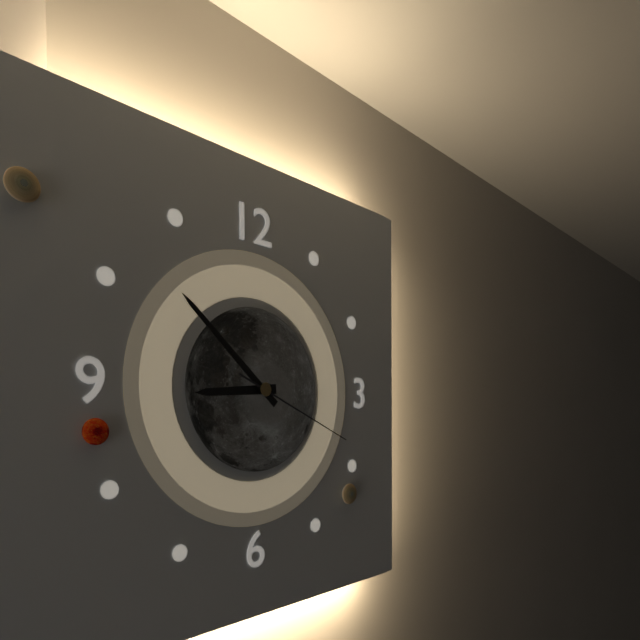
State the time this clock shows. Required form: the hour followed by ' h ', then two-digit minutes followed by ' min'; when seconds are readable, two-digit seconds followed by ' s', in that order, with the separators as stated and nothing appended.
8 h 52 min 19 s
